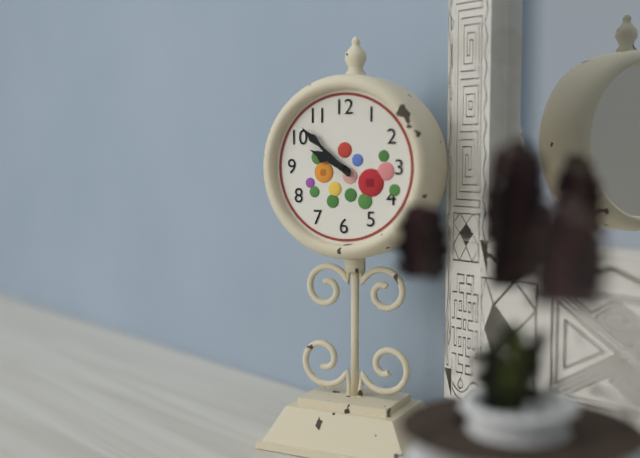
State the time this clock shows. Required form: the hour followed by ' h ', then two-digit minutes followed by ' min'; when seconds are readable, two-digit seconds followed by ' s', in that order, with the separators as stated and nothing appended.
9 h 52 min
